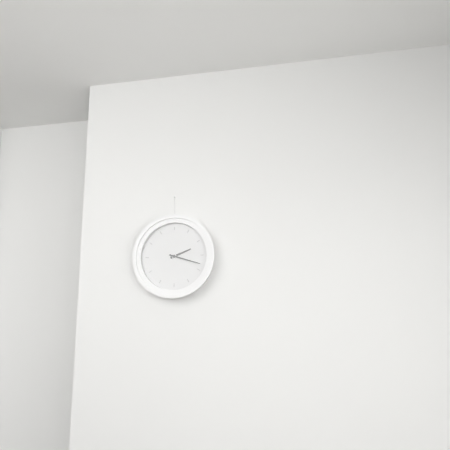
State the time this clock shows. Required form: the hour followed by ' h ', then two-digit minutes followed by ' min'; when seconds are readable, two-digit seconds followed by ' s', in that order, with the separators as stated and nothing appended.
2 h 18 min
